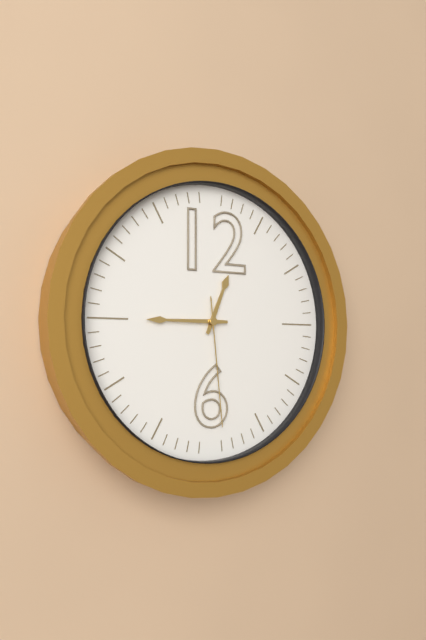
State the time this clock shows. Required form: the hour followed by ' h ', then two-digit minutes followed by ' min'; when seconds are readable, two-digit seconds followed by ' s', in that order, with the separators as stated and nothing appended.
12 h 45 min 29 s
